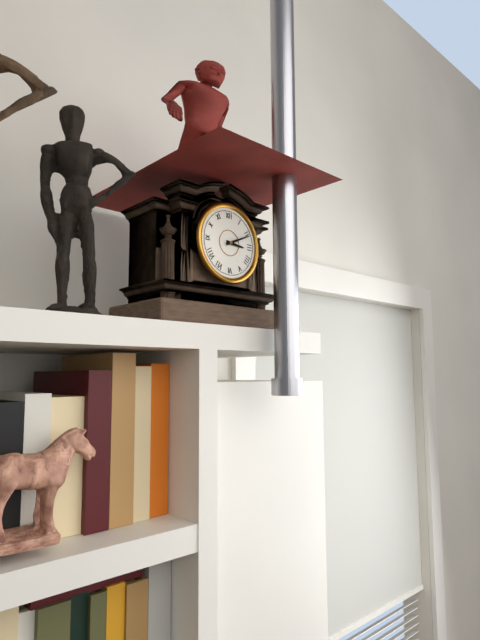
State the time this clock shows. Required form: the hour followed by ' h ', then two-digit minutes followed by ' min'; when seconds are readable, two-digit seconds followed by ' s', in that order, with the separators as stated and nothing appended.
3 h 11 min
